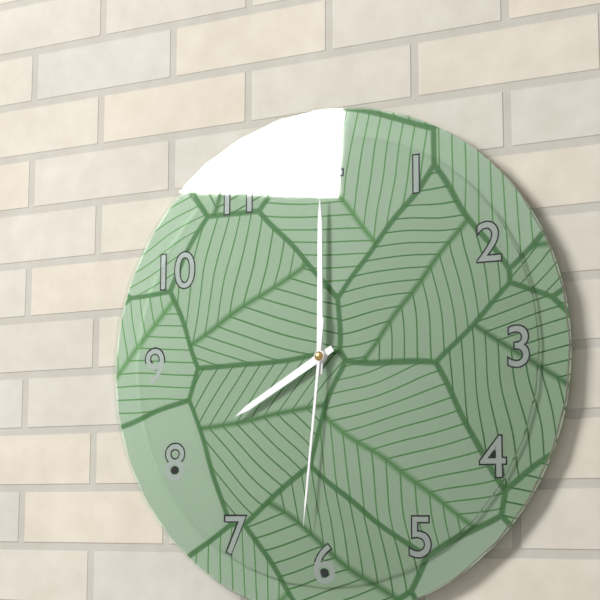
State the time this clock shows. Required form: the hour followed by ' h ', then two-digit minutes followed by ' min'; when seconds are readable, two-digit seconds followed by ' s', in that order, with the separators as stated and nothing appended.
8 h 00 min 31 s
